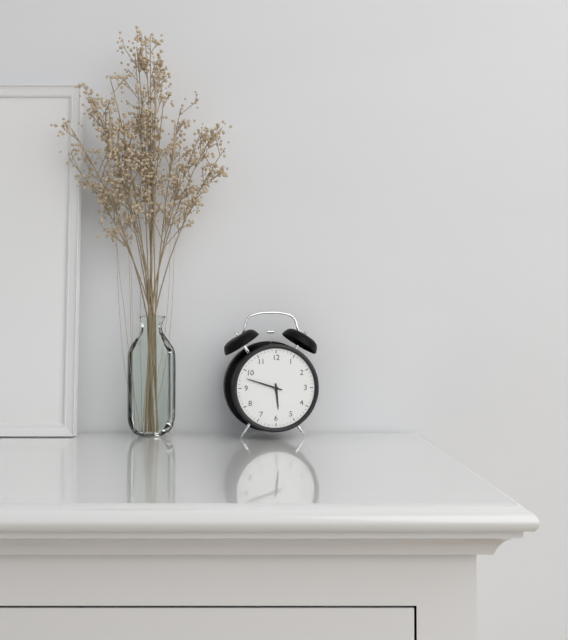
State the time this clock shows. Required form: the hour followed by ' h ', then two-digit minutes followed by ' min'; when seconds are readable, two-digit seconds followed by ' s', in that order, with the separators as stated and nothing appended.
5 h 48 min
